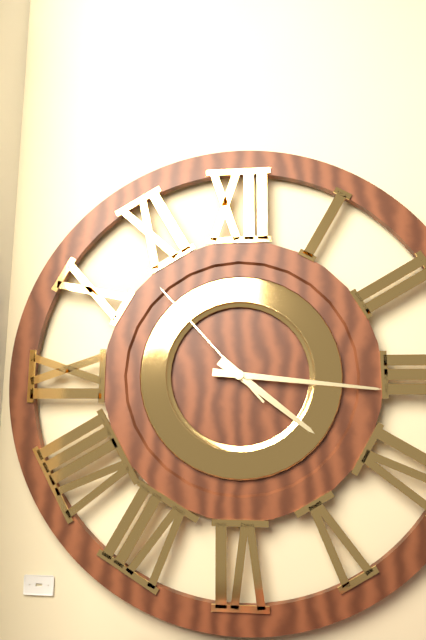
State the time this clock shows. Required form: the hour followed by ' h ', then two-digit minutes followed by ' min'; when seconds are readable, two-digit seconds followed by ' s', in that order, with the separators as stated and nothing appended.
4 h 16 min 53 s
